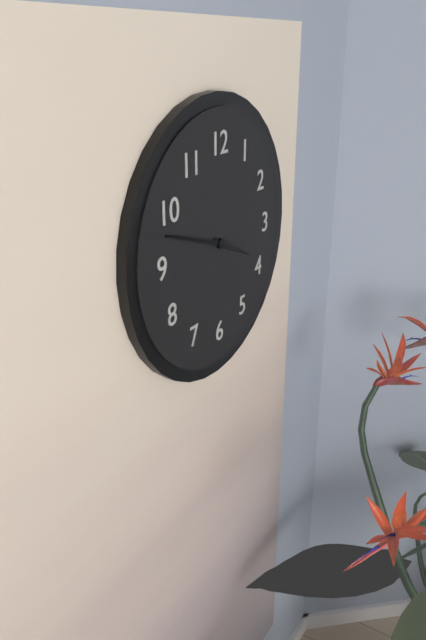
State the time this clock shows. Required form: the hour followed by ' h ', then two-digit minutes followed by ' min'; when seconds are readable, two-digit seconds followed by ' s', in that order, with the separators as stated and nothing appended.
3 h 48 min
